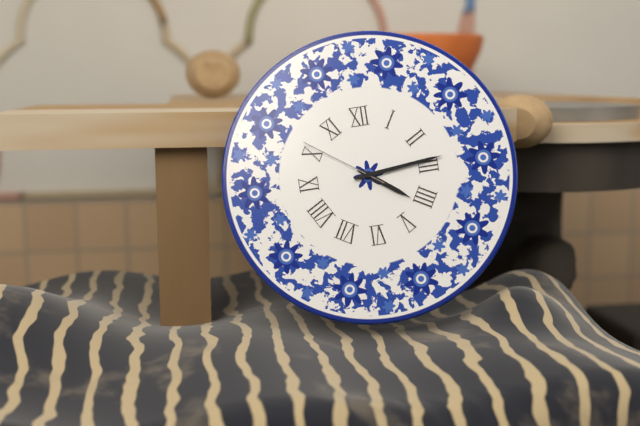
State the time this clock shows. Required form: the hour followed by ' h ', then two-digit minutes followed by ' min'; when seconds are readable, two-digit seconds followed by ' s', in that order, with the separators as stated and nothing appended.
4 h 14 min 51 s
